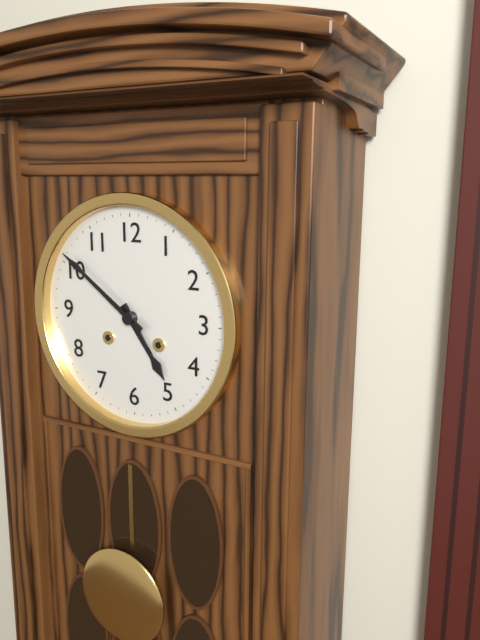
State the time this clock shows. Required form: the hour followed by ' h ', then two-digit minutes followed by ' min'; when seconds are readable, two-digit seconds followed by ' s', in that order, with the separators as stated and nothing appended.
4 h 51 min
